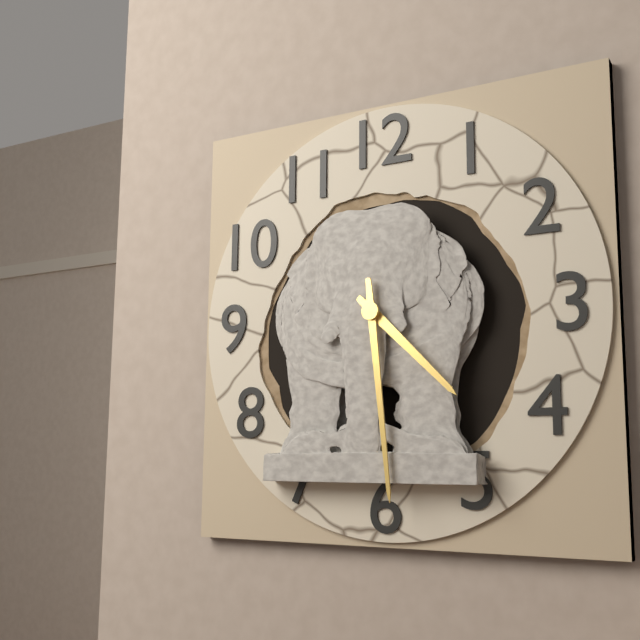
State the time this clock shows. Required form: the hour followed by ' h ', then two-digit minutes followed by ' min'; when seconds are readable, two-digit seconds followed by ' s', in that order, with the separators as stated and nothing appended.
4 h 29 min
